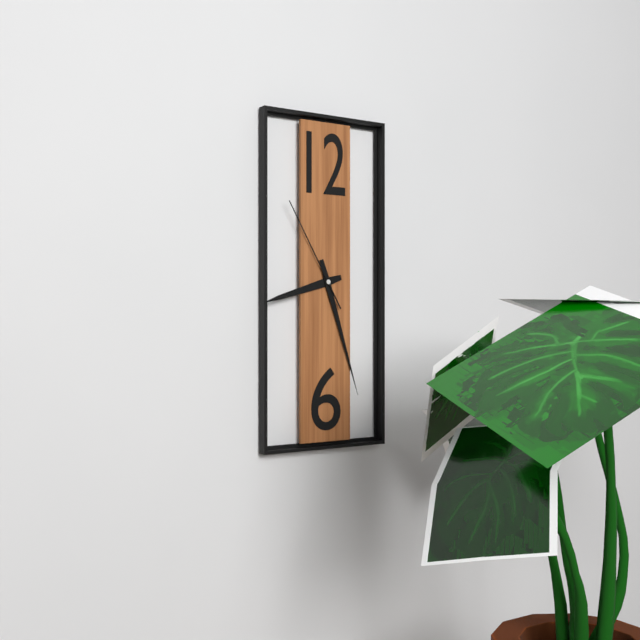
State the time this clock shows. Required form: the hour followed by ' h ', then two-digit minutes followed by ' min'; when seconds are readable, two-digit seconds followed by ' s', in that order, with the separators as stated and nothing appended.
8 h 27 min 55 s
